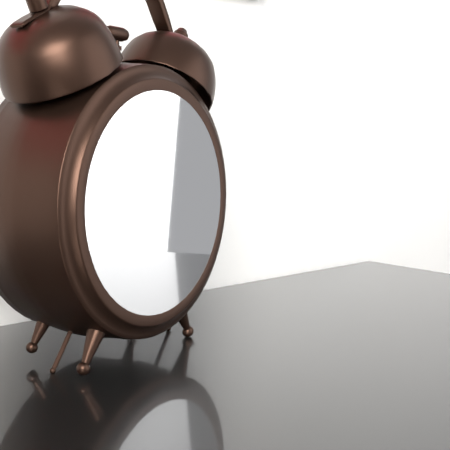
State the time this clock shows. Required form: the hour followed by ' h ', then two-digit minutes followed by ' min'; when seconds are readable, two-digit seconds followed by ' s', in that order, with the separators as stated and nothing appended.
4 h 13 min
